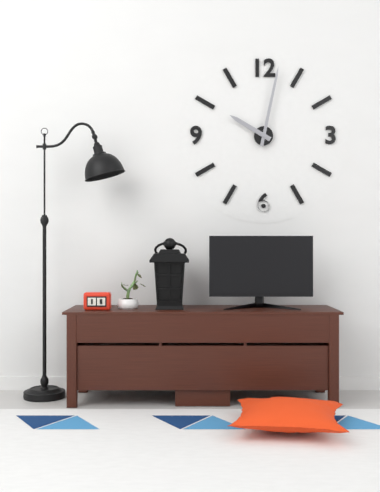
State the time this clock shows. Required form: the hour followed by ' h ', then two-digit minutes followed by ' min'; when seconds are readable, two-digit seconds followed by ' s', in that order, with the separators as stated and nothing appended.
10 h 02 min
